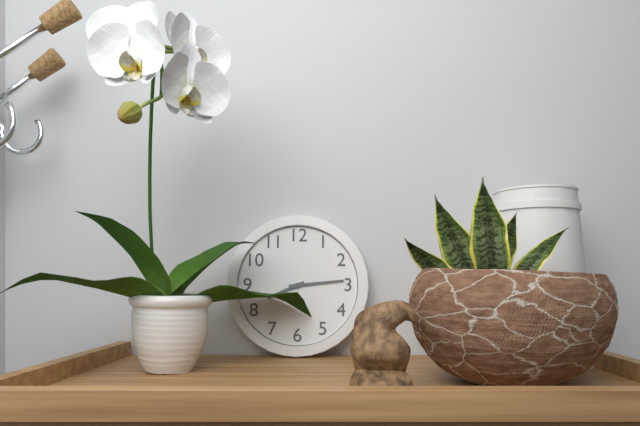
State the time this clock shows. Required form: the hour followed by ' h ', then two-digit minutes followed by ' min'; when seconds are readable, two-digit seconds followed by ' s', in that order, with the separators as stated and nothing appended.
8 h 14 min
